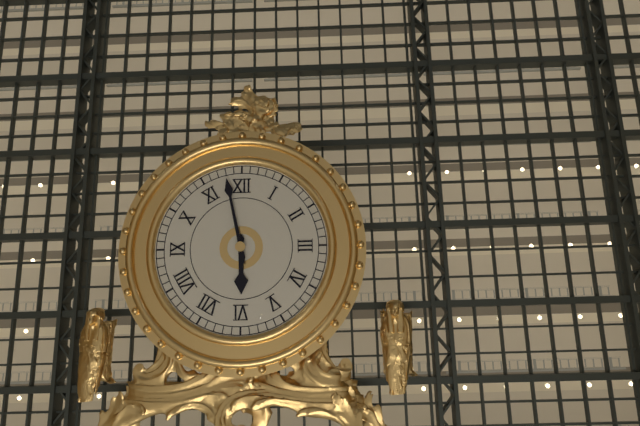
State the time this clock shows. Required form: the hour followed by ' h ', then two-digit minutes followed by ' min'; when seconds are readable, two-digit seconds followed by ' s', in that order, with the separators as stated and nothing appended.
5 h 58 min
